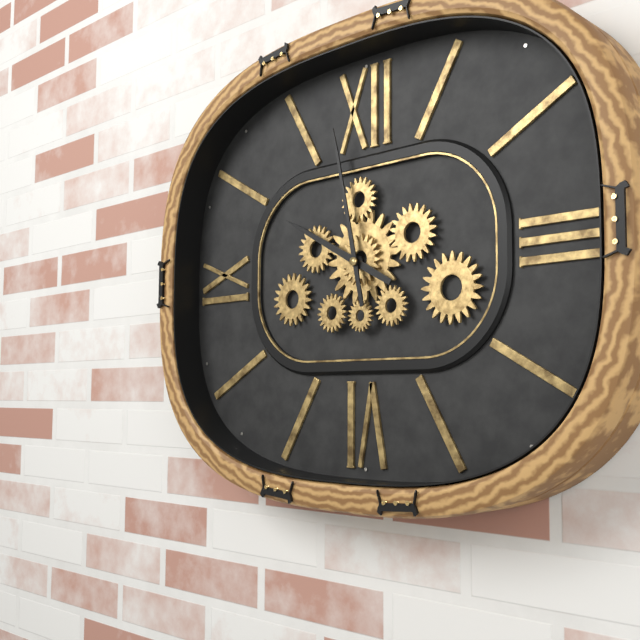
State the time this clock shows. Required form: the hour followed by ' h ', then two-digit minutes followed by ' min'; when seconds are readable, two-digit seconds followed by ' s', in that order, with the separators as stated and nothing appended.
9 h 58 min
